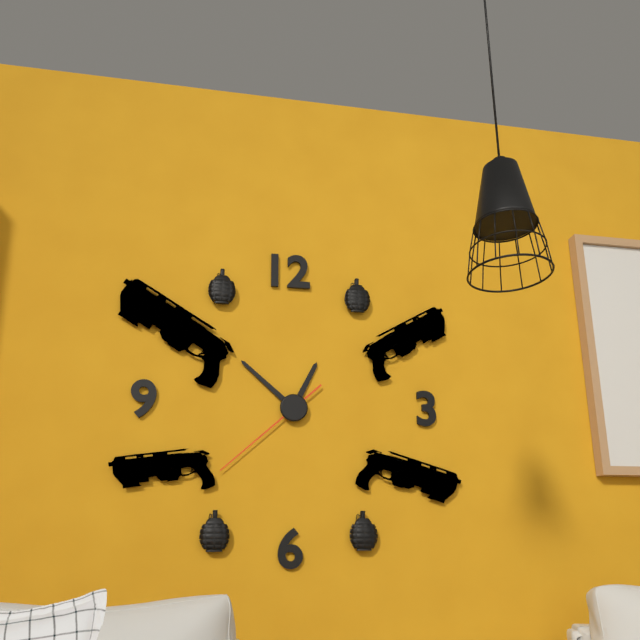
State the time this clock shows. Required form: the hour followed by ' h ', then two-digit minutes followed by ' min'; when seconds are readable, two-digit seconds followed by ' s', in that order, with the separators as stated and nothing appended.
12 h 52 min 38 s
